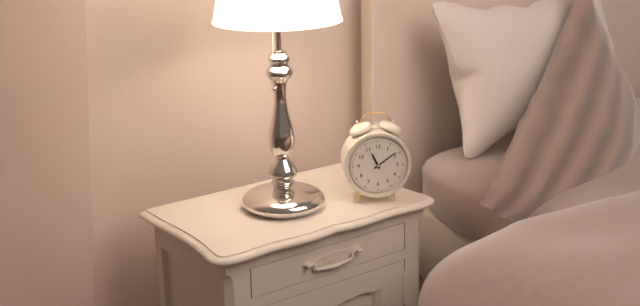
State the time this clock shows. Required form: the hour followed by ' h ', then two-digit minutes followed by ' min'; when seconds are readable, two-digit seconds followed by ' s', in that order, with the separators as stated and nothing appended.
11 h 09 min
